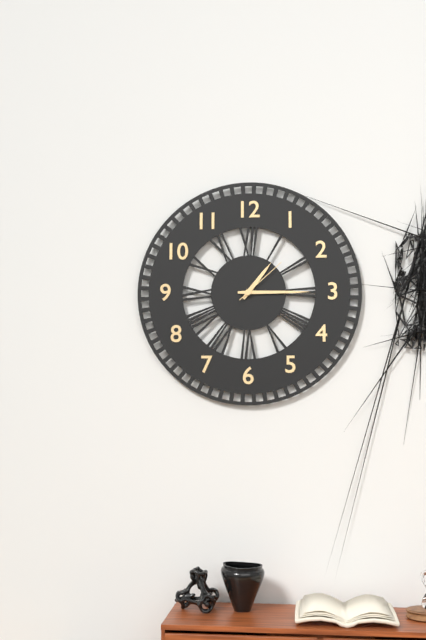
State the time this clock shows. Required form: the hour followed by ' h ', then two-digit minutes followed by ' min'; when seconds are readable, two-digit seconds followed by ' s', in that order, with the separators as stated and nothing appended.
1 h 15 min 08 s
